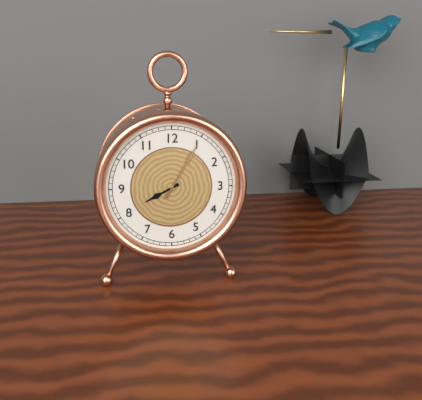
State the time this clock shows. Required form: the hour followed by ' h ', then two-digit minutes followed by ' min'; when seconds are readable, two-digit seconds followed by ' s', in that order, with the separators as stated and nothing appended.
8 h 05 min
